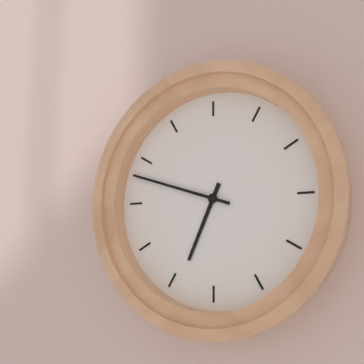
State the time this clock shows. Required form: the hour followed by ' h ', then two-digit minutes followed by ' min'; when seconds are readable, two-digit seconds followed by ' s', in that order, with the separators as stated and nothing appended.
6 h 48 min
